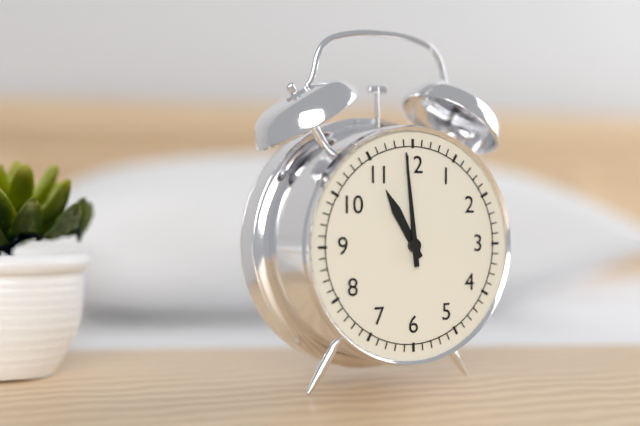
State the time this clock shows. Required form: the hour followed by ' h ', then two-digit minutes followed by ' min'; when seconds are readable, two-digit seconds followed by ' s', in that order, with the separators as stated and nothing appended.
10 h 59 min
